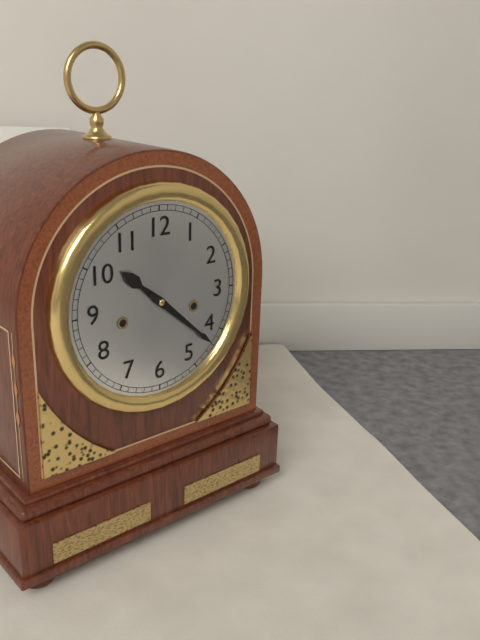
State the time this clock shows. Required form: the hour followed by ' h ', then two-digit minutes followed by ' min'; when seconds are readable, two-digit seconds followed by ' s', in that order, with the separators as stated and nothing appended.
10 h 22 min
